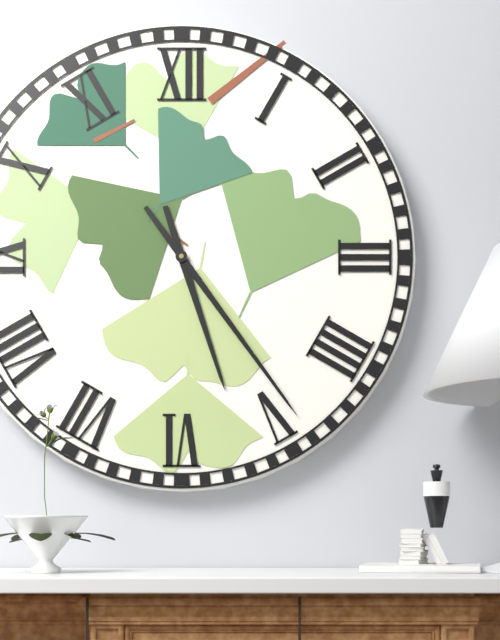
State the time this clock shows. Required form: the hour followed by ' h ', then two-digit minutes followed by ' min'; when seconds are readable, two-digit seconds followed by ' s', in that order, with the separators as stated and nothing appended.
5 h 24 min
